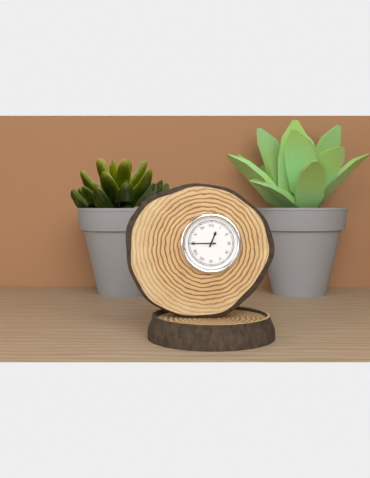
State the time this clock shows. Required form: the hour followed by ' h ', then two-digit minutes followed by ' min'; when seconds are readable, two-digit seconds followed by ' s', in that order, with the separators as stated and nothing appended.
12 h 45 min
